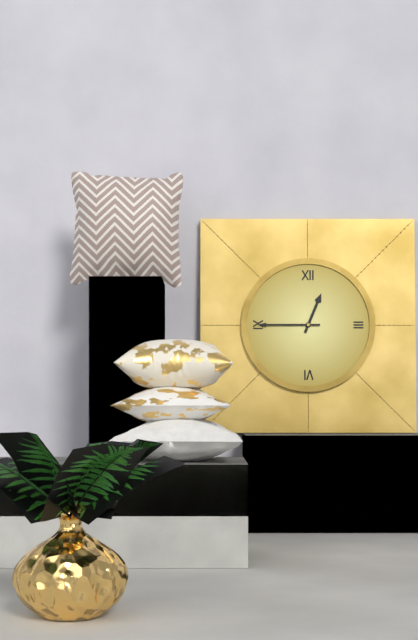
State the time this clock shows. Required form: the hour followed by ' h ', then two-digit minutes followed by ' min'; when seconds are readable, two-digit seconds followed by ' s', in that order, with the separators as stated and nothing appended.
12 h 45 min
